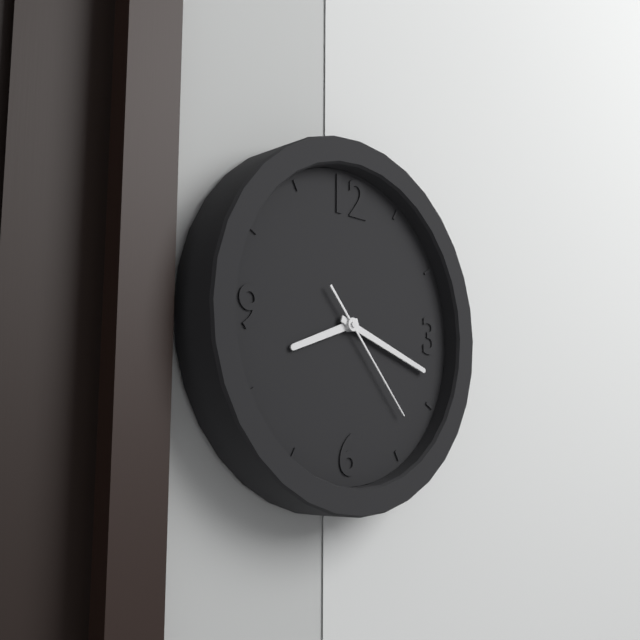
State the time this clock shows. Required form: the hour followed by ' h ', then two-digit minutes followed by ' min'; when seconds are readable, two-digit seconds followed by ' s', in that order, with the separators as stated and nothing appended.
8 h 18 min 23 s
